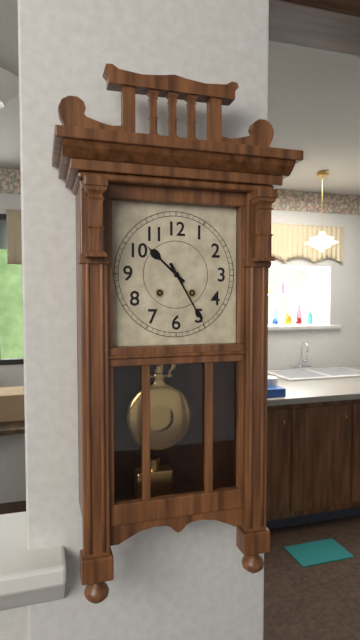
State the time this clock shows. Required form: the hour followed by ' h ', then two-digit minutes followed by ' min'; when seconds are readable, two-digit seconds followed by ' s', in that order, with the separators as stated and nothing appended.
10 h 25 min
